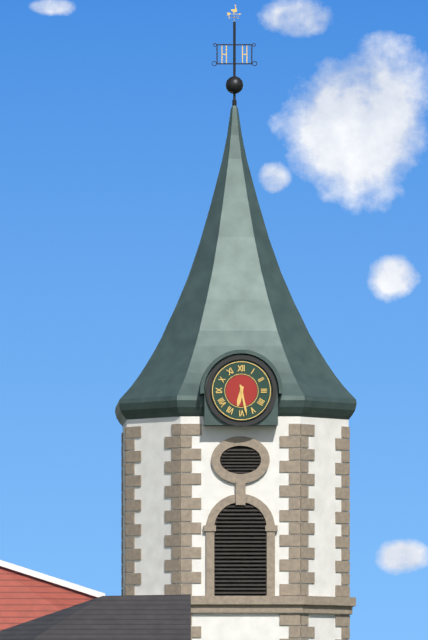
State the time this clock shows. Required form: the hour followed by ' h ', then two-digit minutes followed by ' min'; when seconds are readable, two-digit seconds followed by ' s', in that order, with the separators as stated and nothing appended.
6 h 28 min
